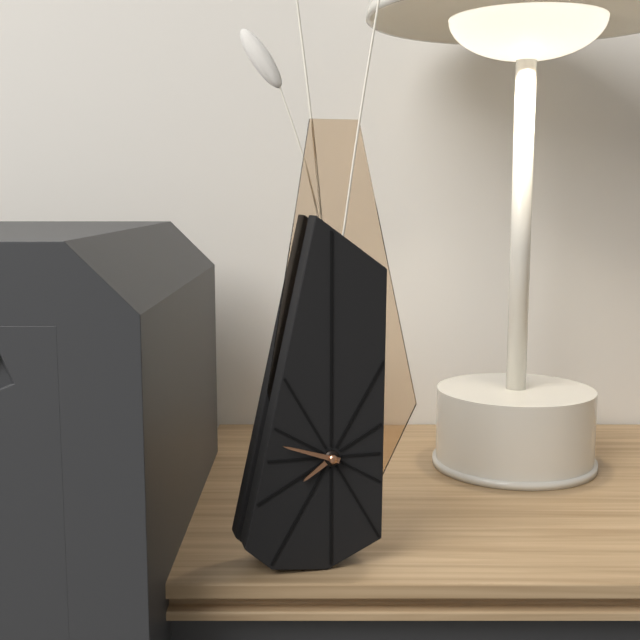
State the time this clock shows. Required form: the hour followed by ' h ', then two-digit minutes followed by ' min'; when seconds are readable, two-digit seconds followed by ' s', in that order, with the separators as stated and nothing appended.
7 h 48 min
